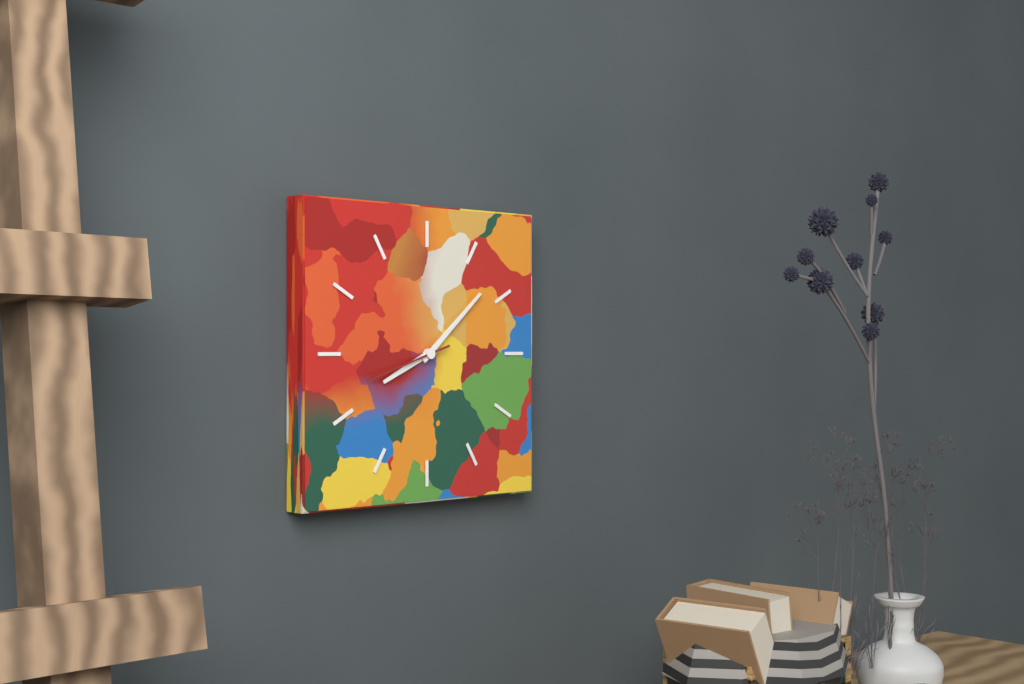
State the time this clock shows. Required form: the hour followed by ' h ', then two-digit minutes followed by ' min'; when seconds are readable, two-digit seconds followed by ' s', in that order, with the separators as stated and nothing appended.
8 h 08 min 42 s
